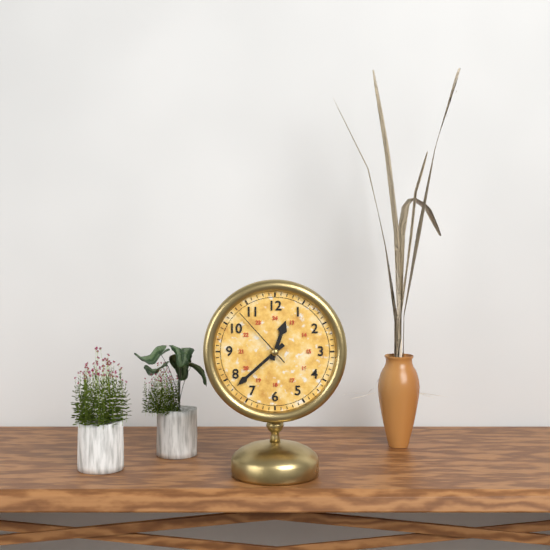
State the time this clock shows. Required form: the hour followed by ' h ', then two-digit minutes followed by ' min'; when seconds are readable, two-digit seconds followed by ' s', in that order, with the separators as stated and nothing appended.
12 h 38 min 53 s
